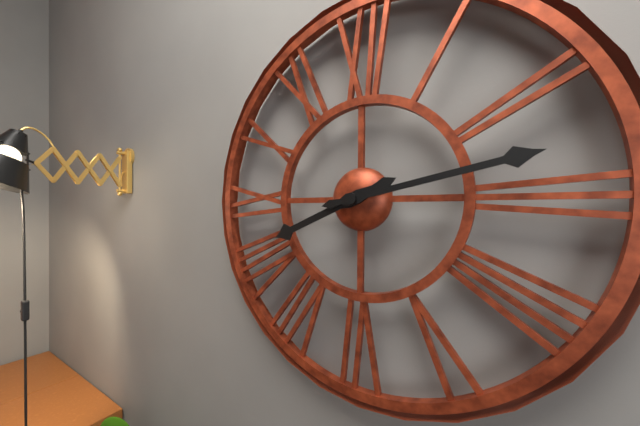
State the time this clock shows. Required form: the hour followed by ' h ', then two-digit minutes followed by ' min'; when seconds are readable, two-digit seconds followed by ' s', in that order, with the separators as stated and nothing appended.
8 h 13 min
